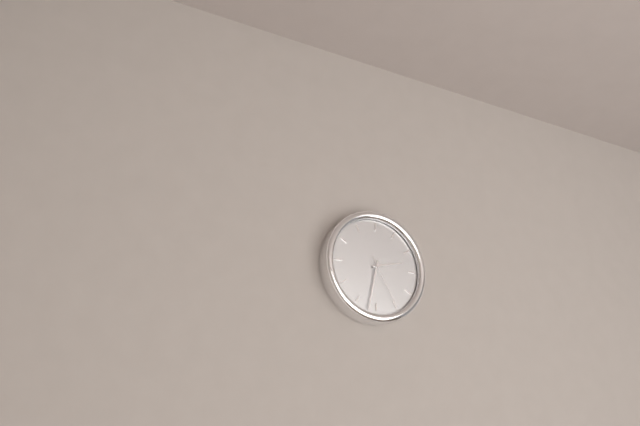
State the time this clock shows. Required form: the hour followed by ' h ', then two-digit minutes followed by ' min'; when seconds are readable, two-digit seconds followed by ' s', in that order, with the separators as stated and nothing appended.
2 h 32 min 25 s
